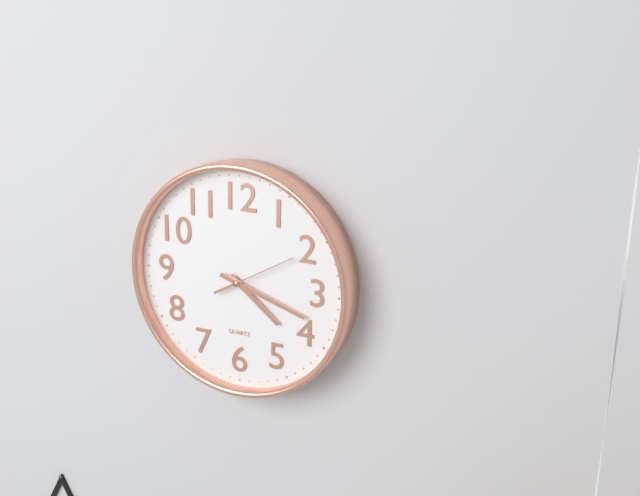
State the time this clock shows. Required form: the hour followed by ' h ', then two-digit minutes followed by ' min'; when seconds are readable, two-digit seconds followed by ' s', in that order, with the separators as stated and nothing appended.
4 h 18 min 10 s
